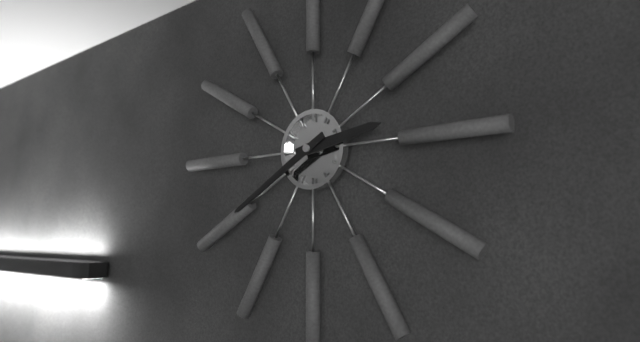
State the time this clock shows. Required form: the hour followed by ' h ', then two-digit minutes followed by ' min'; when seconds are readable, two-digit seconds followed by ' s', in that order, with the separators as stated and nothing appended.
2 h 40 min
